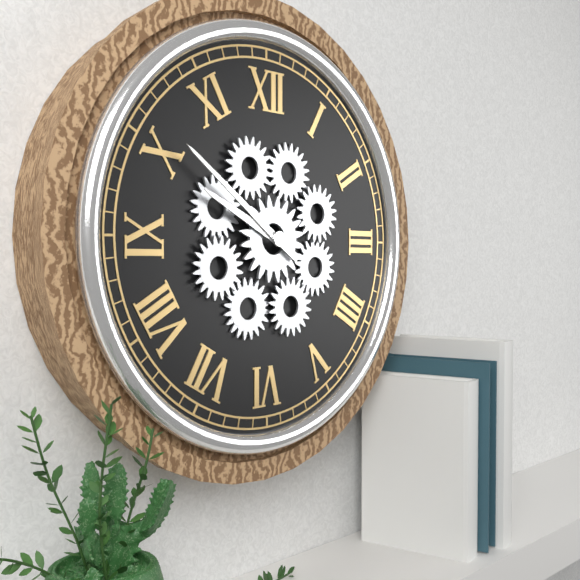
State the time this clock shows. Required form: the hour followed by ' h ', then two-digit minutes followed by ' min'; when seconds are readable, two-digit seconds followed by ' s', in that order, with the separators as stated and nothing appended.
9 h 51 min
